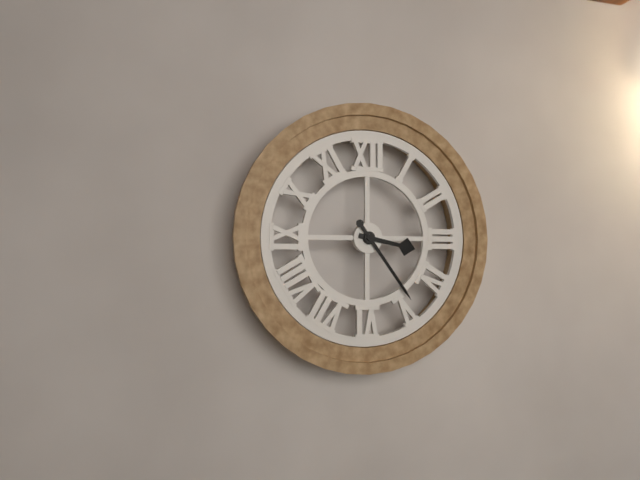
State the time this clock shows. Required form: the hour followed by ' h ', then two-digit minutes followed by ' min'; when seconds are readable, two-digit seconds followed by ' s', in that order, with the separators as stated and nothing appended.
3 h 24 min
